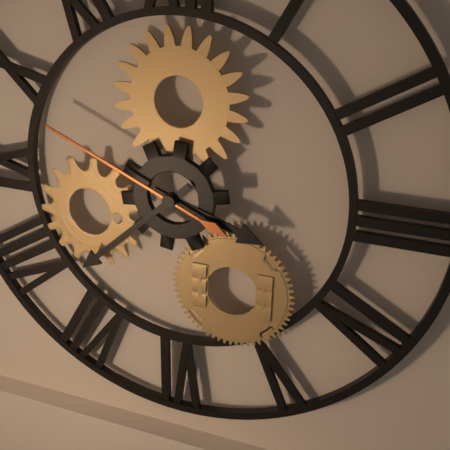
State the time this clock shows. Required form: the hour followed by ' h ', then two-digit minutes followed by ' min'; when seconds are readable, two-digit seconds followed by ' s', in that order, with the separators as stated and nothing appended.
3 h 38 min 49 s
